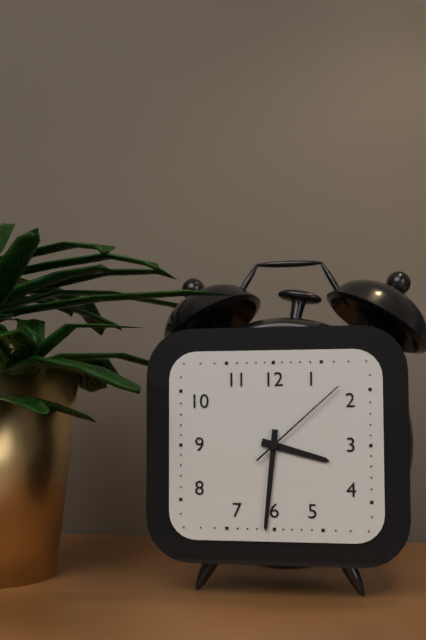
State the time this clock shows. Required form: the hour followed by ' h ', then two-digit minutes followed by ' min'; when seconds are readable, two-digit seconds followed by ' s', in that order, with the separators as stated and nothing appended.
3 h 31 min 08 s
